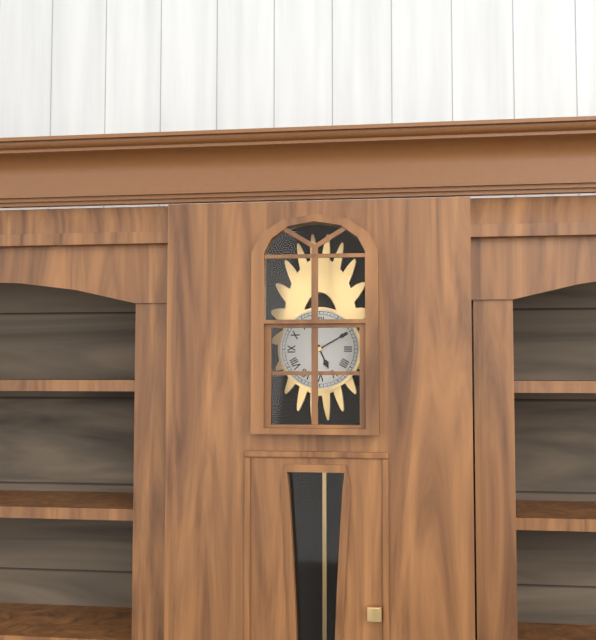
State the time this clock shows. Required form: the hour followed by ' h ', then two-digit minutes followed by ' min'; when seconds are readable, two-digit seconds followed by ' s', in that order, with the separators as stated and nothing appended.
5 h 10 min
